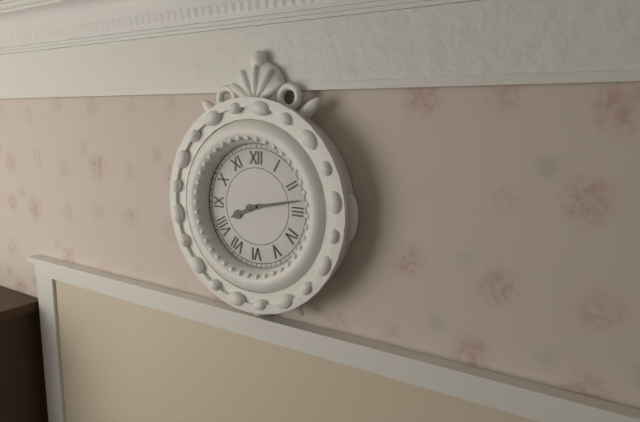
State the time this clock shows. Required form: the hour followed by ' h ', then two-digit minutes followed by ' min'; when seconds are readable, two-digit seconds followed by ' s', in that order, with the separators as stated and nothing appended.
8 h 13 min
